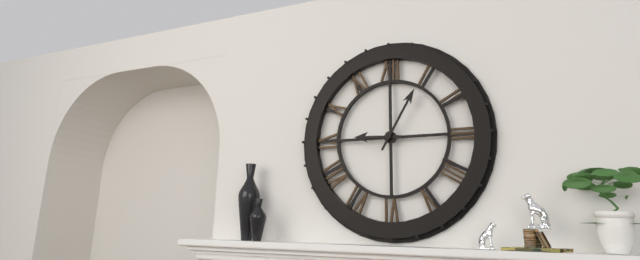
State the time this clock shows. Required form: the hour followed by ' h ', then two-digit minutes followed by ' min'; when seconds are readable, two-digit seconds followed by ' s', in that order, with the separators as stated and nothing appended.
9 h 05 min
